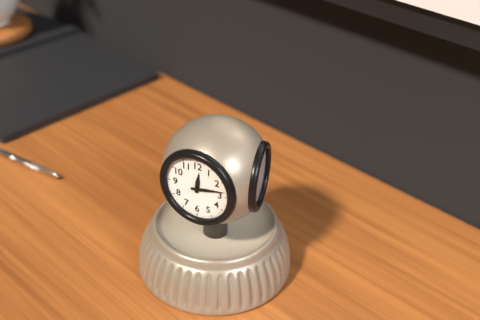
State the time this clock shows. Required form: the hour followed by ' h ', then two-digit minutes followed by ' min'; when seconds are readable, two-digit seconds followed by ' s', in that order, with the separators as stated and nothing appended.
12 h 13 min
